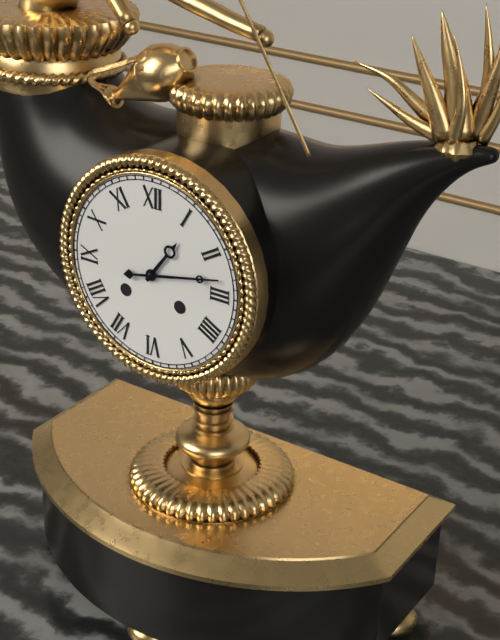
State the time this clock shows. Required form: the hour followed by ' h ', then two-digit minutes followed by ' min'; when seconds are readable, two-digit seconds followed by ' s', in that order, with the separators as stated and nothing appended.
1 h 13 min
